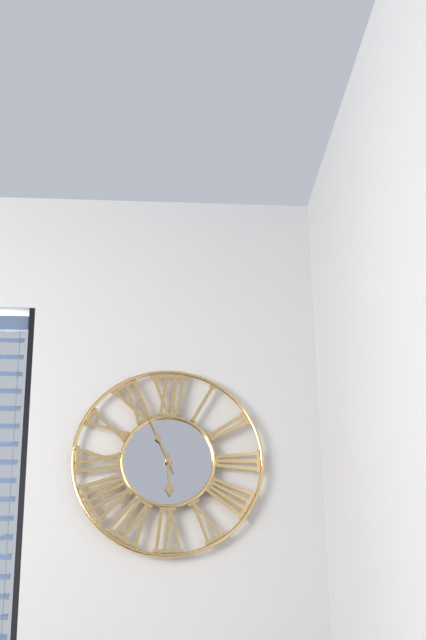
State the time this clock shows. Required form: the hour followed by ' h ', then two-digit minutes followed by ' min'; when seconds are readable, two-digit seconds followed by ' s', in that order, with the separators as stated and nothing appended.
5 h 56 min
